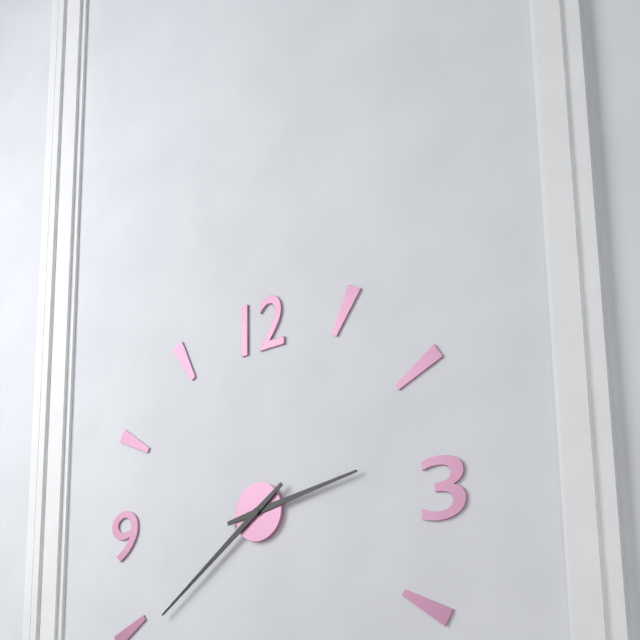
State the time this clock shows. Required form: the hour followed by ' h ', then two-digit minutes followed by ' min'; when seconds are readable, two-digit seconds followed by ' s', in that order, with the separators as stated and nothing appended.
2 h 39 min
